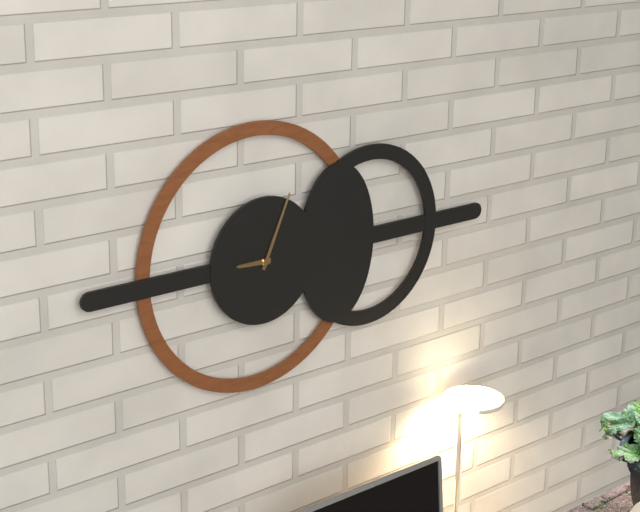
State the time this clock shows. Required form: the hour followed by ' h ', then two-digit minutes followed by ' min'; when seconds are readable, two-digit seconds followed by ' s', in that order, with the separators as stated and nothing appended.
9 h 04 min
